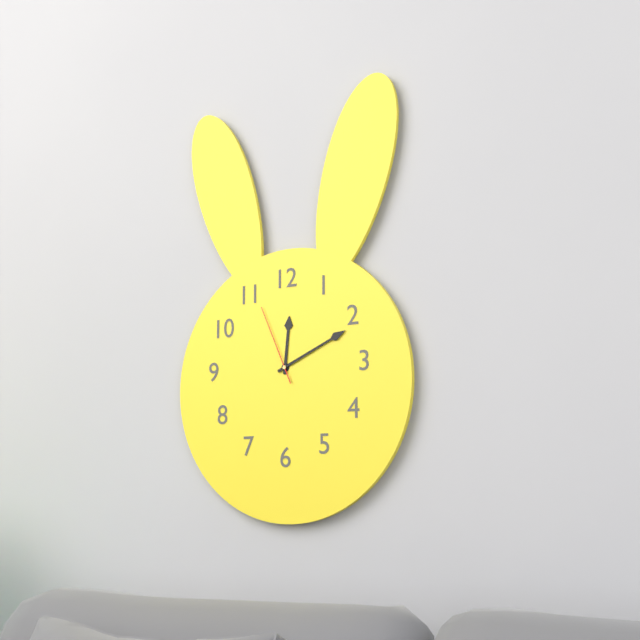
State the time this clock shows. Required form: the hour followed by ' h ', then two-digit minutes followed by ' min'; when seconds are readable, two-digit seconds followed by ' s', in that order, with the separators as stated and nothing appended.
12 h 11 min 56 s
